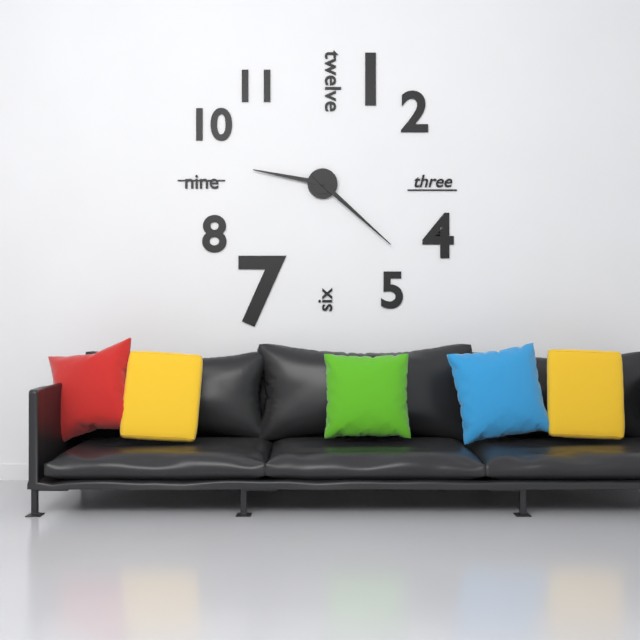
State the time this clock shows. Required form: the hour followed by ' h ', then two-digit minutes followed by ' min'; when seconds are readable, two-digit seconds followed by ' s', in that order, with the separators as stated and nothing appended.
9 h 22 min
